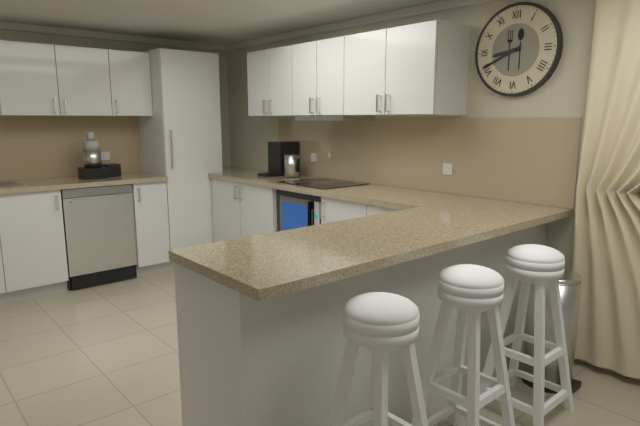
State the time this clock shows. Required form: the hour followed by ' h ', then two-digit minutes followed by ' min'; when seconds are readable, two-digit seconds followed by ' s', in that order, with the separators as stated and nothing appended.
8 h 41 min
